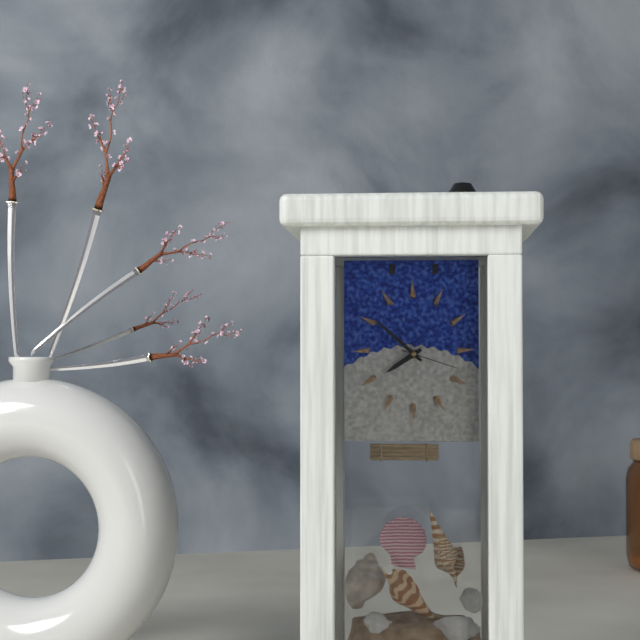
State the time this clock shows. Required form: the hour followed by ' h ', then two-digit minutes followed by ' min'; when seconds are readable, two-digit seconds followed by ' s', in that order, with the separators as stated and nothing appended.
7 h 52 min 18 s
